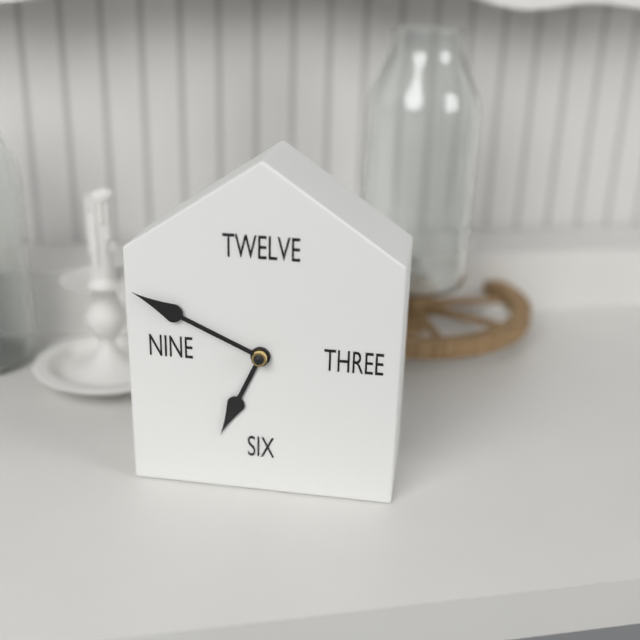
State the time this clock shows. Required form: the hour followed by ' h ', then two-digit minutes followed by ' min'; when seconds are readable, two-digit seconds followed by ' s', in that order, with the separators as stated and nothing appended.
6 h 49 min
